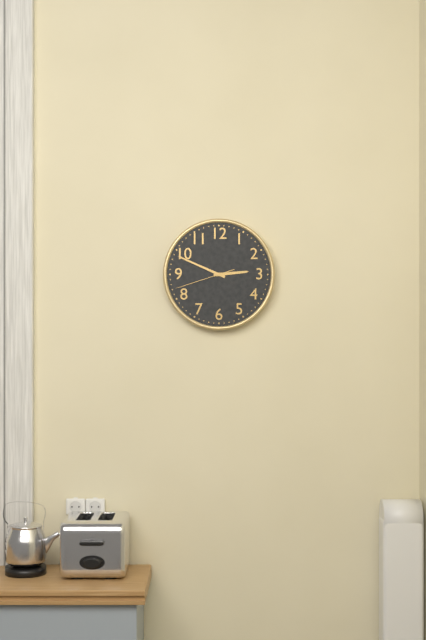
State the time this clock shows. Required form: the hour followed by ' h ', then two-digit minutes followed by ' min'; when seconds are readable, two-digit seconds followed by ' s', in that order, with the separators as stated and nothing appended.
2 h 49 min 42 s
